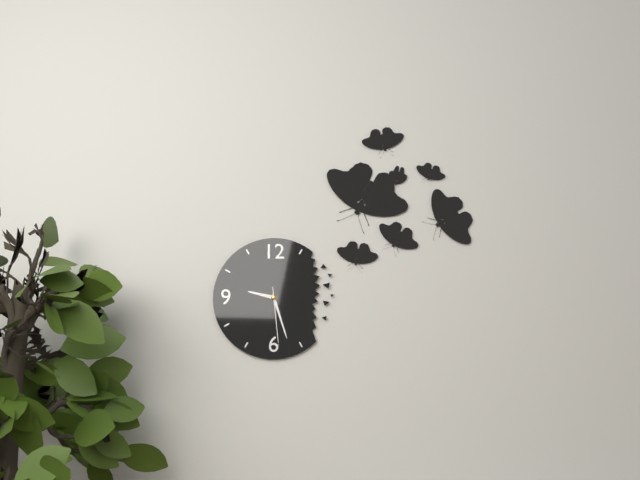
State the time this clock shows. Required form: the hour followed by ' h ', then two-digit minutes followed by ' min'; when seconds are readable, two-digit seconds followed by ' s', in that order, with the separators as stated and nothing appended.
9 h 27 min 29 s
